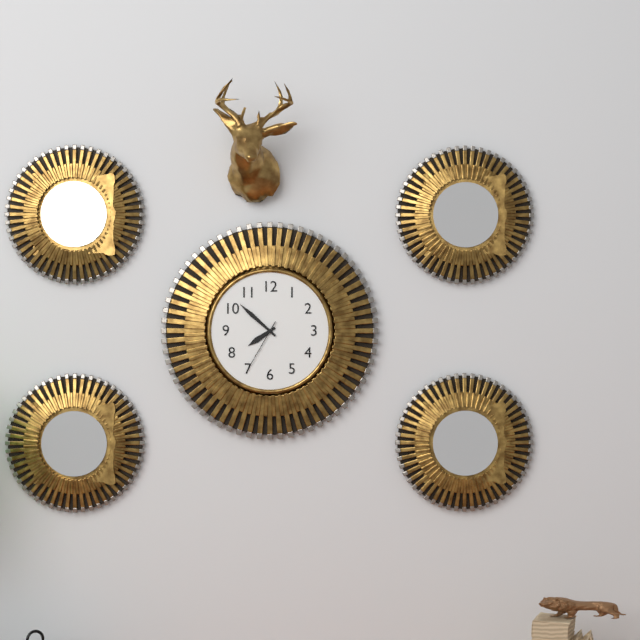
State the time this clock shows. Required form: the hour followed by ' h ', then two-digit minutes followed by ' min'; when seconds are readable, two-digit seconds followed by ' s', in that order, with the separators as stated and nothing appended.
7 h 52 min 35 s
